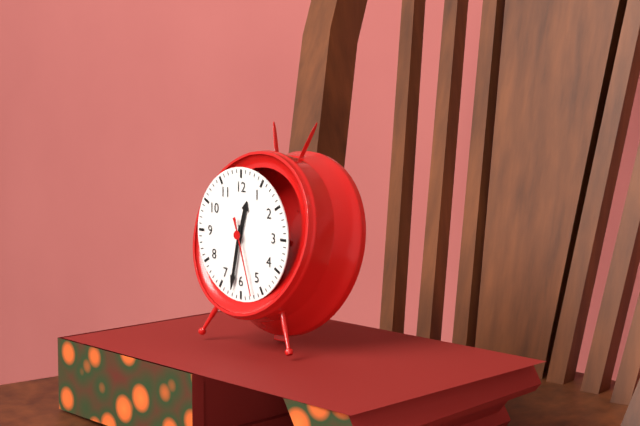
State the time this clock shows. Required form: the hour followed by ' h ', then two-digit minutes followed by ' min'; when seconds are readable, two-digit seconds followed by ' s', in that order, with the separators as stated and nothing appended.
12 h 32 min 27 s
